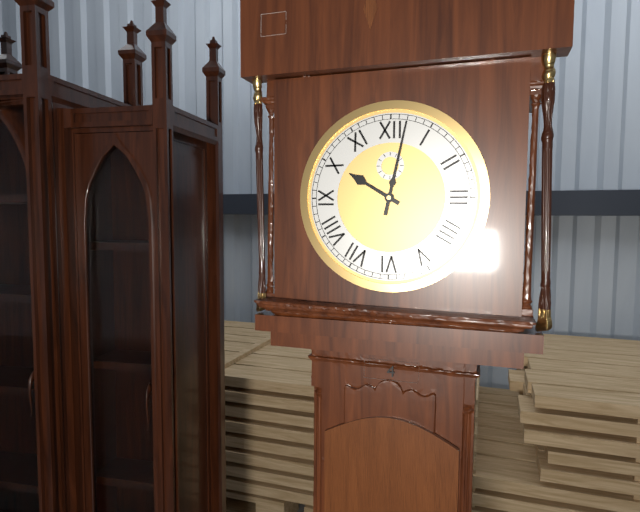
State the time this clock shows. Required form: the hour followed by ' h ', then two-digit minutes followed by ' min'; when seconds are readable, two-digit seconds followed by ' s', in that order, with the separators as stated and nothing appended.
10 h 02 min
